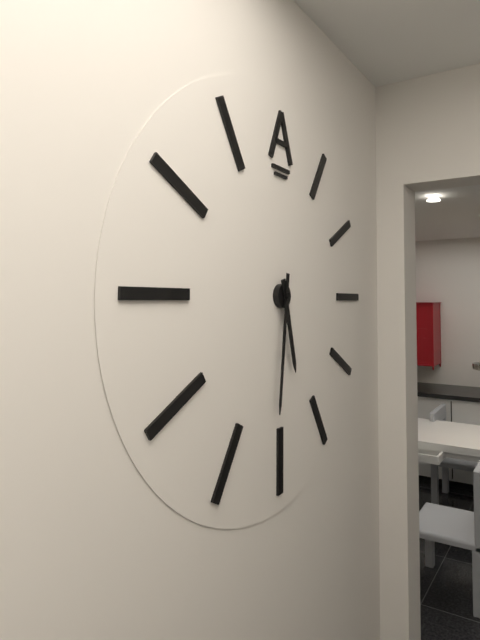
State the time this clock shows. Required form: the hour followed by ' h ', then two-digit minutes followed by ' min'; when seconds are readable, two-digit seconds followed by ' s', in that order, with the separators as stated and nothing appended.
5 h 31 min
